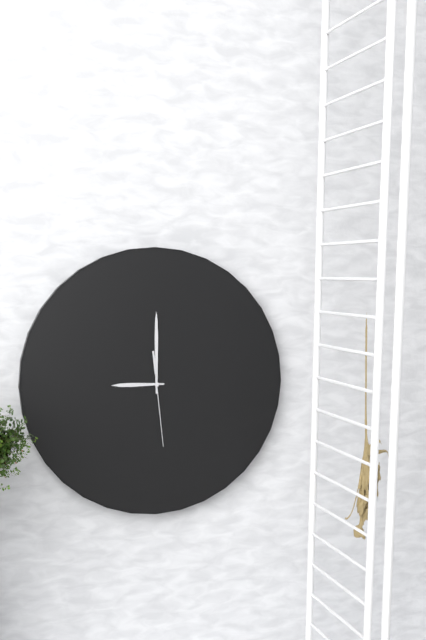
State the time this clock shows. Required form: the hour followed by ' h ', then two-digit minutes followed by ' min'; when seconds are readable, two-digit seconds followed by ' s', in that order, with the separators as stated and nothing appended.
9 h 00 min 29 s
